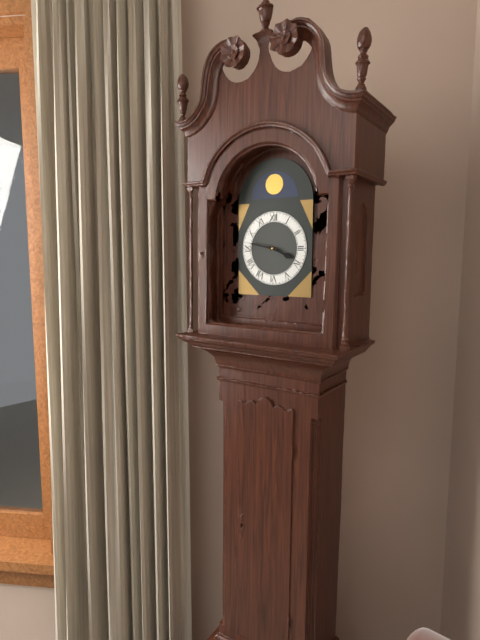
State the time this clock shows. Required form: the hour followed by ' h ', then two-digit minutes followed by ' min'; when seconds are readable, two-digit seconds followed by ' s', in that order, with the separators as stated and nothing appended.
3 h 47 min
